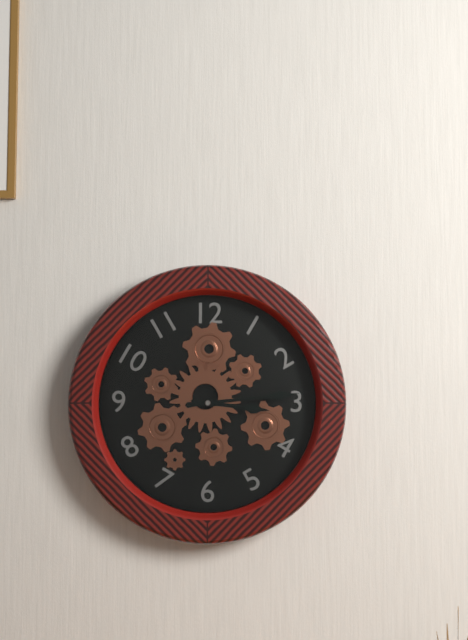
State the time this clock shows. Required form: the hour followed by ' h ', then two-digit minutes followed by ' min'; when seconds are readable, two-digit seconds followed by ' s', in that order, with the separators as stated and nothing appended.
3 h 14 min
